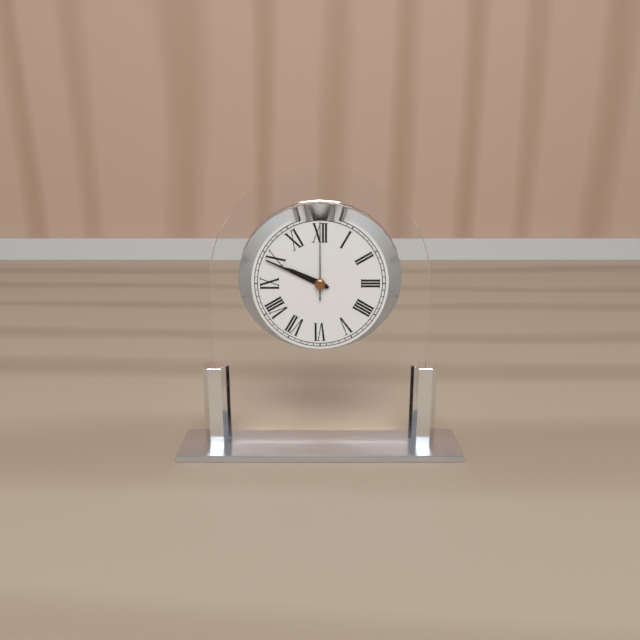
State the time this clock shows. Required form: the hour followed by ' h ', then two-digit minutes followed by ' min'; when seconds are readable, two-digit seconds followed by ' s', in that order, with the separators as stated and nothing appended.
9 h 49 min 00 s
